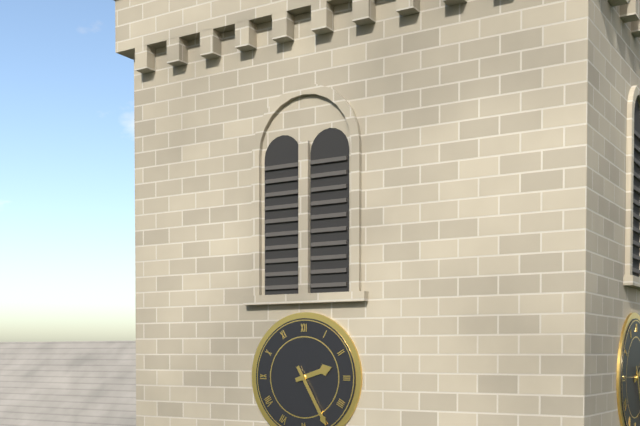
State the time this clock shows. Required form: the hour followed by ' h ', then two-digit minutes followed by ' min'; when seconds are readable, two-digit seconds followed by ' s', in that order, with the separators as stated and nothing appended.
2 h 25 min
